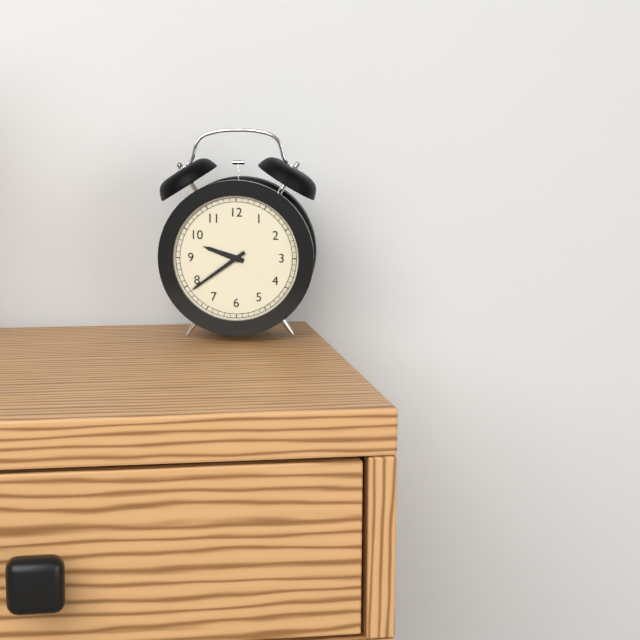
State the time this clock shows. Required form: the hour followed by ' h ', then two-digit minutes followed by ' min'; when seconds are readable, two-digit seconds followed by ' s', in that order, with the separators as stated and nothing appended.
9 h 39 min
